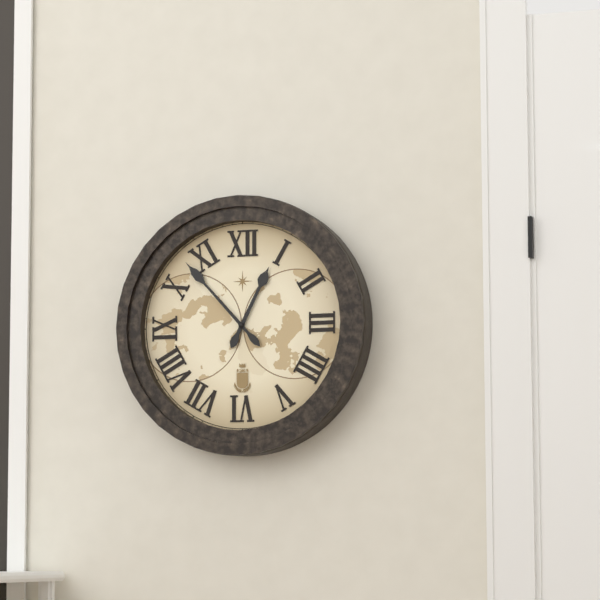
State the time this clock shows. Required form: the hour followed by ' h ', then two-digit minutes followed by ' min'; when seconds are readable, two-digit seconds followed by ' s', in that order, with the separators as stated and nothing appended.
12 h 53 min
